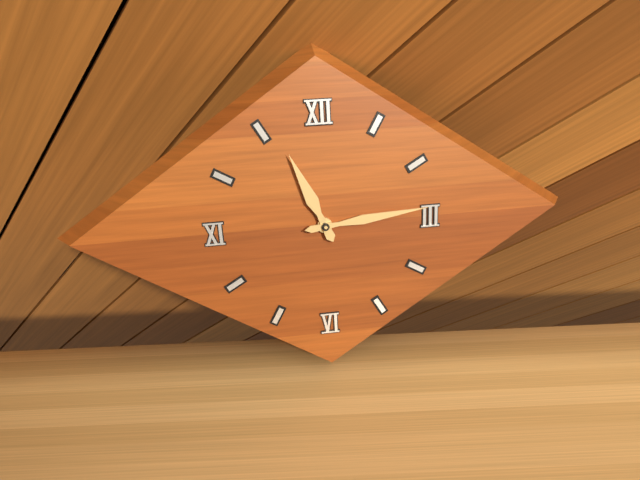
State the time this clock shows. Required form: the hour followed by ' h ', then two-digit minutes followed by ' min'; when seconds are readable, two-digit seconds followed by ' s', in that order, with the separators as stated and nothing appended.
11 h 14 min
